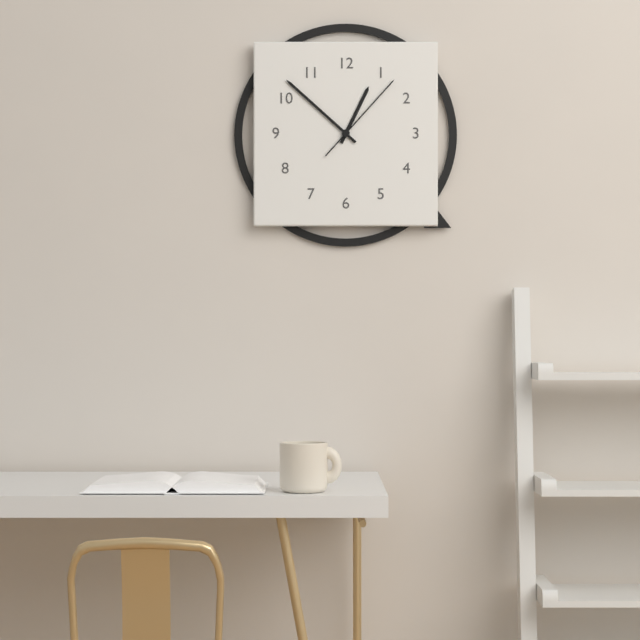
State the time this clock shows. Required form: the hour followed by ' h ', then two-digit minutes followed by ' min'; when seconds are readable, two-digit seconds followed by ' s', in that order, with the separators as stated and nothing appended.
12 h 52 min 07 s
